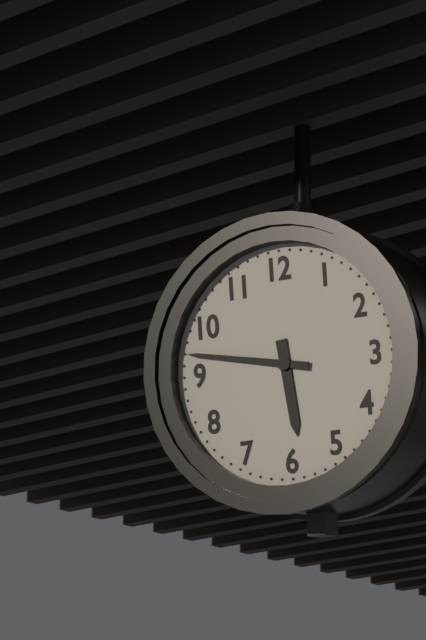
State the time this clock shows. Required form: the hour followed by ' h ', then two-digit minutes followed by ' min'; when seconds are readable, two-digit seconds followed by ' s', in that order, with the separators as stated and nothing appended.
5 h 47 min
